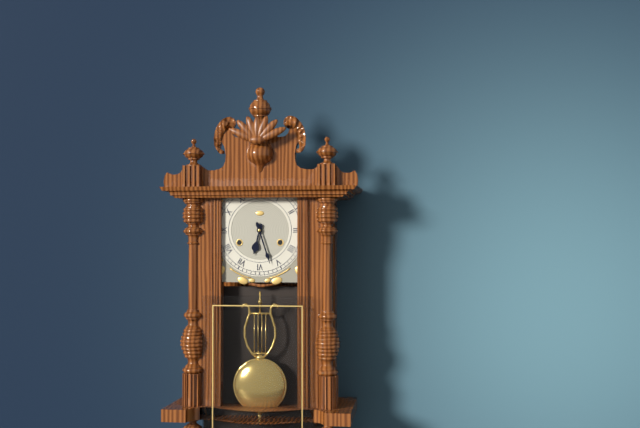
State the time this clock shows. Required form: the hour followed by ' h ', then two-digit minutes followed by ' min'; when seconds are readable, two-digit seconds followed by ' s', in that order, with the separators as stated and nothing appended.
6 h 27 min
